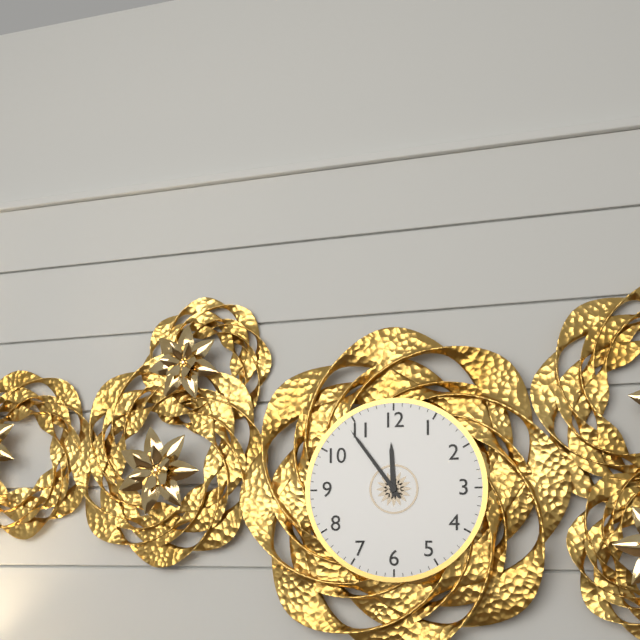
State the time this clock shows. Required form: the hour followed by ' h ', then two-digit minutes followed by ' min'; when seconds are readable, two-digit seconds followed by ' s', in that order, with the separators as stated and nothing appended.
11 h 54 min
